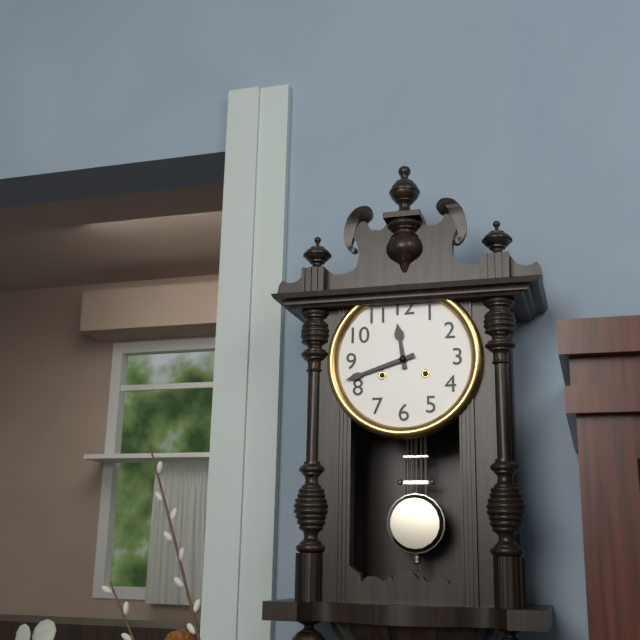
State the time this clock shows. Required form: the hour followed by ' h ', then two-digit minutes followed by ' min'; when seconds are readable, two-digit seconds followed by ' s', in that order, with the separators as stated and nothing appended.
11 h 42 min
